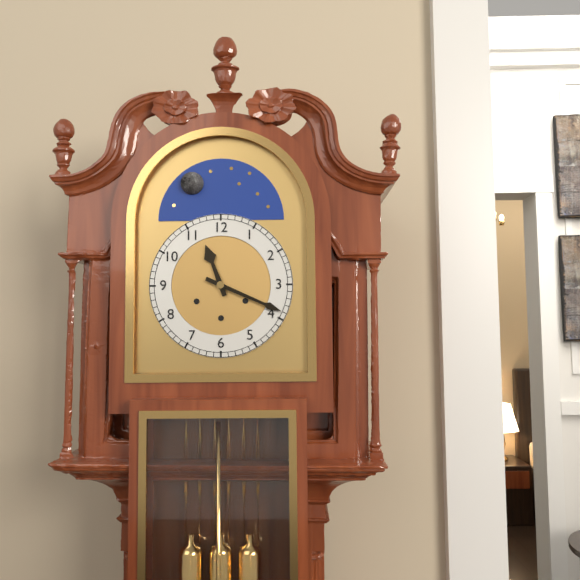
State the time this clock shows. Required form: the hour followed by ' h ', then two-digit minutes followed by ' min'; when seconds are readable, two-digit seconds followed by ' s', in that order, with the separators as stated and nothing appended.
11 h 19 min
